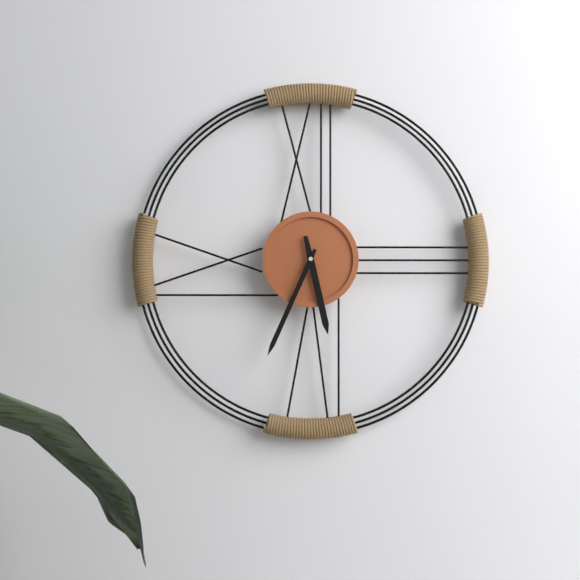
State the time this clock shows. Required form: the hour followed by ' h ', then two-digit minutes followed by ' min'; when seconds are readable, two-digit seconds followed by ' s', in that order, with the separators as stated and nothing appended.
5 h 34 min
